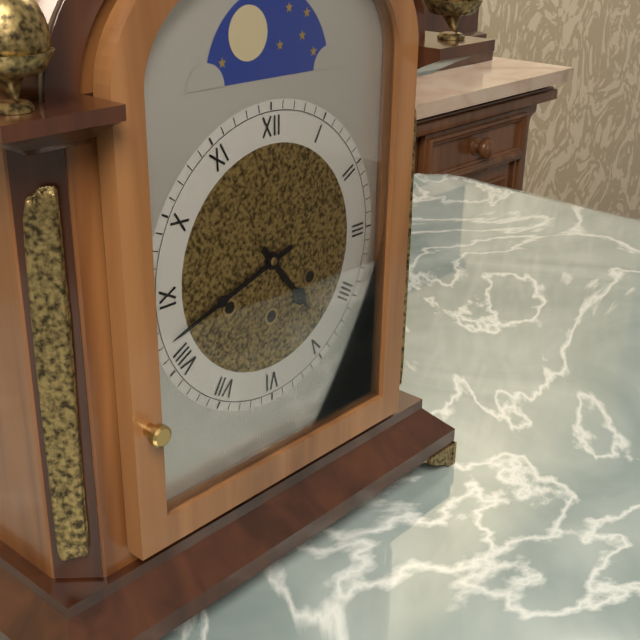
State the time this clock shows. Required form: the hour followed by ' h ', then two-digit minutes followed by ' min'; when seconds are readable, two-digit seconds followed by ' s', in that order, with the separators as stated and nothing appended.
4 h 42 min
